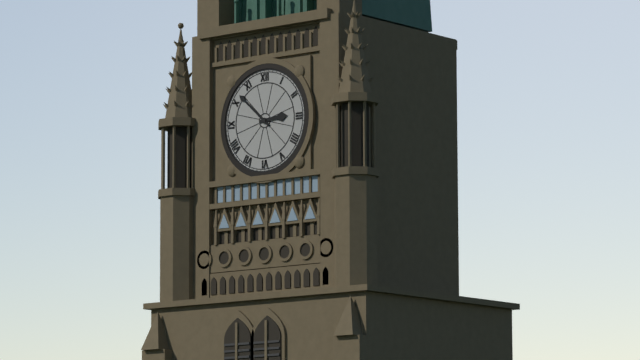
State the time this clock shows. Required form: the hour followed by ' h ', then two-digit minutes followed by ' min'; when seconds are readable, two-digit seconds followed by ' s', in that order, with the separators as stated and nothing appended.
2 h 52 min
